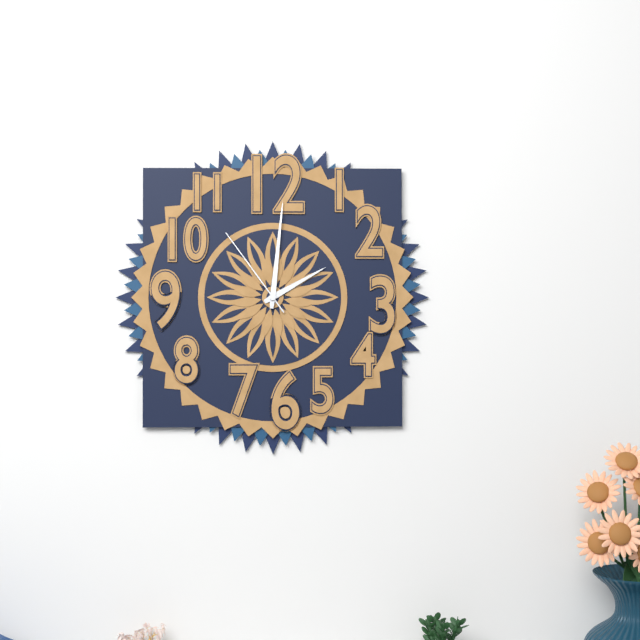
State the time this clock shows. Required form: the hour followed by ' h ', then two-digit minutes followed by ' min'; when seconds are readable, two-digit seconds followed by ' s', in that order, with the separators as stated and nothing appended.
2 h 01 min 54 s
